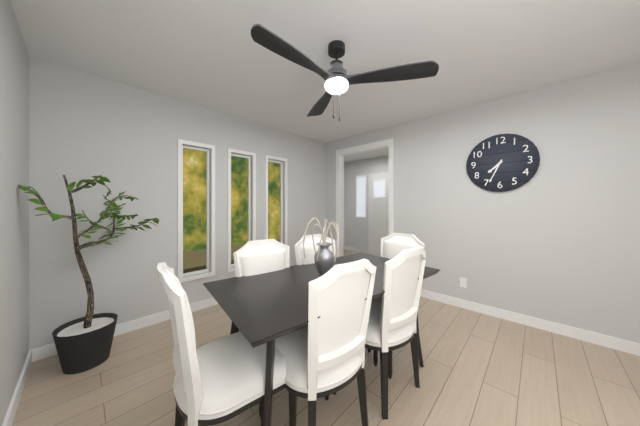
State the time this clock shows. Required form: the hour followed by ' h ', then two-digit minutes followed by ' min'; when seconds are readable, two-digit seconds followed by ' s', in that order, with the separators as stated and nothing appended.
7 h 34 min
